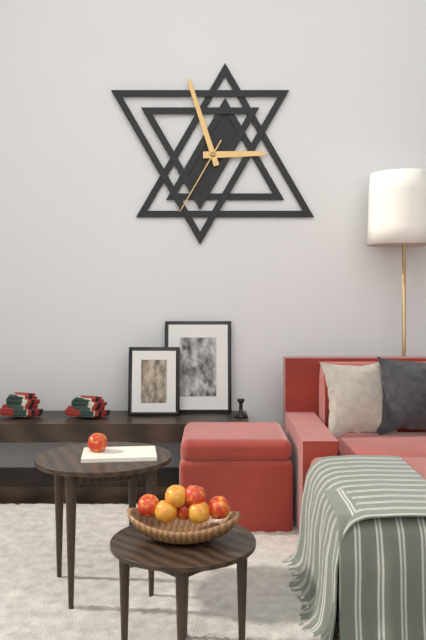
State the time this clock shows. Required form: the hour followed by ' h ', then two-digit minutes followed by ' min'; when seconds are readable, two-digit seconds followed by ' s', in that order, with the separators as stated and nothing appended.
2 h 57 min 35 s
